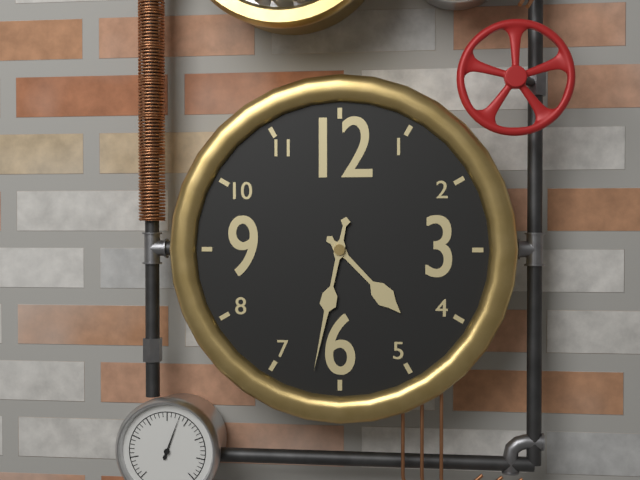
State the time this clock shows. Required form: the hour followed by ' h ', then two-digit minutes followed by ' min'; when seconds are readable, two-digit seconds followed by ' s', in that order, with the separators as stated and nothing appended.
4 h 32 min
